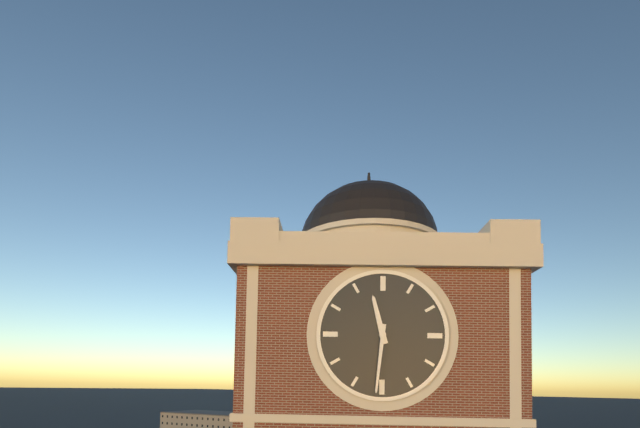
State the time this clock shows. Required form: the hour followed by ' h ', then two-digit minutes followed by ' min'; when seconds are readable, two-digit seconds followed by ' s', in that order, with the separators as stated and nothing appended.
11 h 31 min
